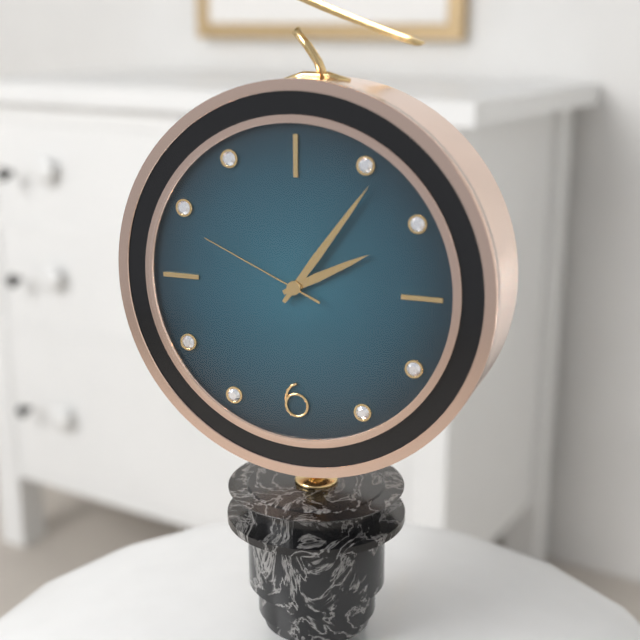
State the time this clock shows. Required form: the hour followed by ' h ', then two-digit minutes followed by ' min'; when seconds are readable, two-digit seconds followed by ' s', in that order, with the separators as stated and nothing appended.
2 h 06 min 49 s
